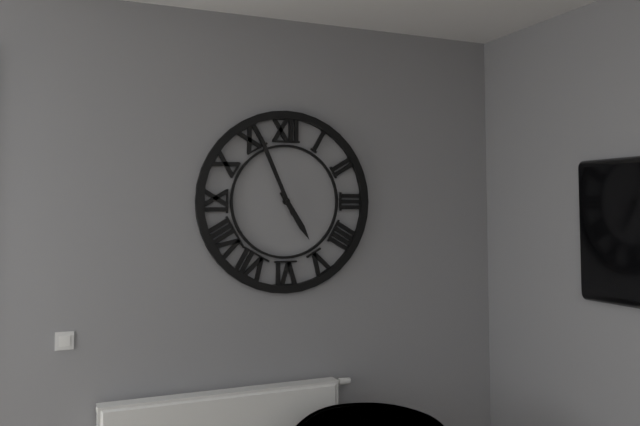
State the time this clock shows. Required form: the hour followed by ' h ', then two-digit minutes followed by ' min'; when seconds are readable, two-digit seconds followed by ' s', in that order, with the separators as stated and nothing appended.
4 h 56 min
